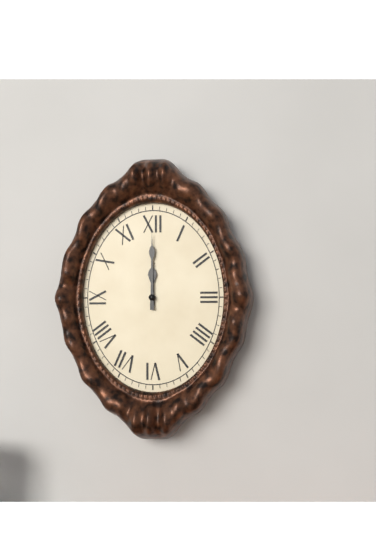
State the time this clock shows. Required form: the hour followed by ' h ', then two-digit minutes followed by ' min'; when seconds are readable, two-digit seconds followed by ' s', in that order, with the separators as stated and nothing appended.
12 h 00 min
